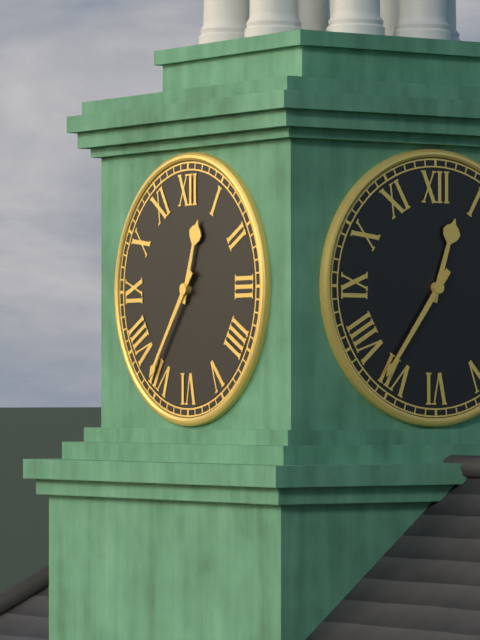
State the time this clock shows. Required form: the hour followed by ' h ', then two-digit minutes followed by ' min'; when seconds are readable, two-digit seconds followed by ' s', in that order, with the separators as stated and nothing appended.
12 h 36 min
